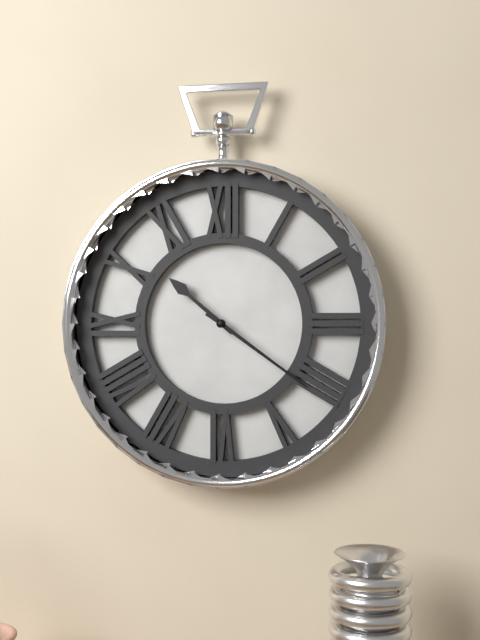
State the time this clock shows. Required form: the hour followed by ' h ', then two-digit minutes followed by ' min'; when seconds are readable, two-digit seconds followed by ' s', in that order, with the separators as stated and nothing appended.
10 h 21 min
